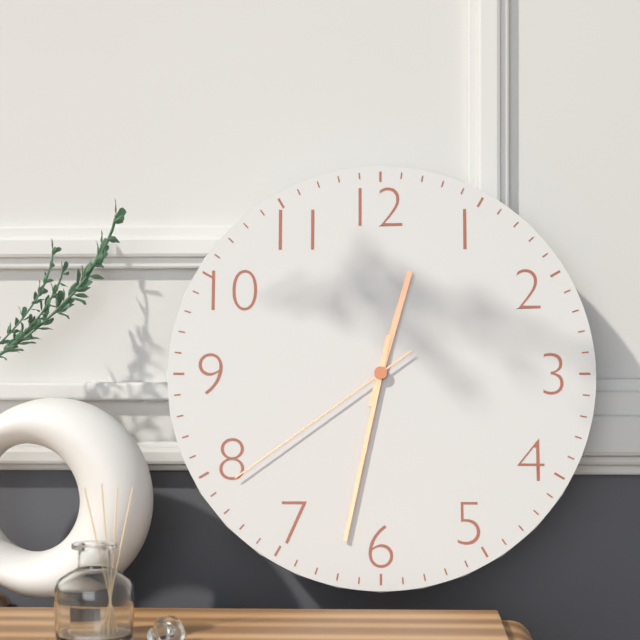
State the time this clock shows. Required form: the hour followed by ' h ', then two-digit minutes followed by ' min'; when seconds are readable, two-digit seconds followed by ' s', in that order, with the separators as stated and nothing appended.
12 h 32 min 39 s
